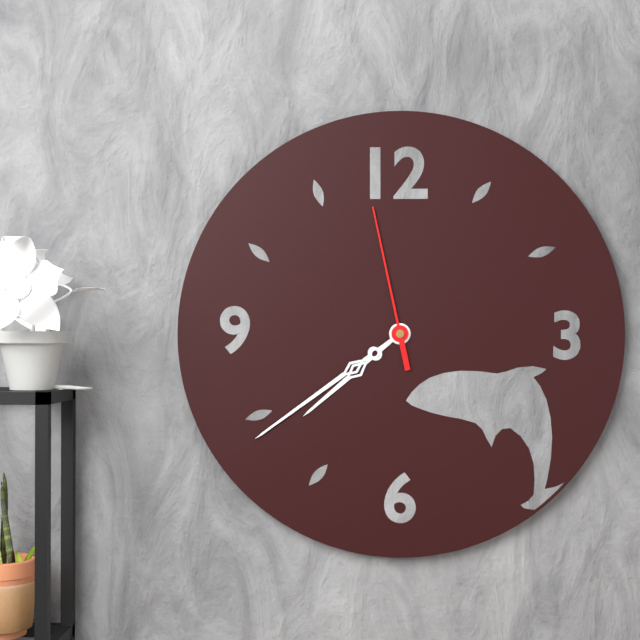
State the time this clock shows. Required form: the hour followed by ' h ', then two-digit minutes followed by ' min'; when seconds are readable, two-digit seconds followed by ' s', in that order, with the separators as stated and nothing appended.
7 h 39 min 58 s
